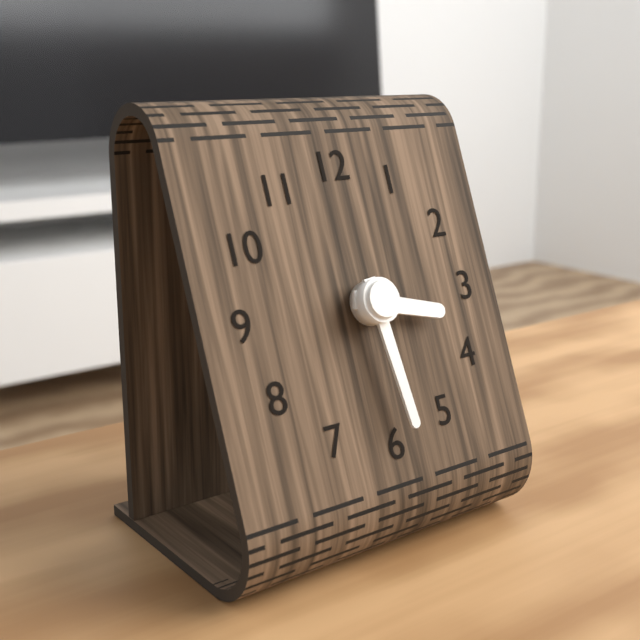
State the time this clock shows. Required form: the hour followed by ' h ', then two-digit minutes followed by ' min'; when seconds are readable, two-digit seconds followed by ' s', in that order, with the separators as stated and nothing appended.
3 h 29 min
